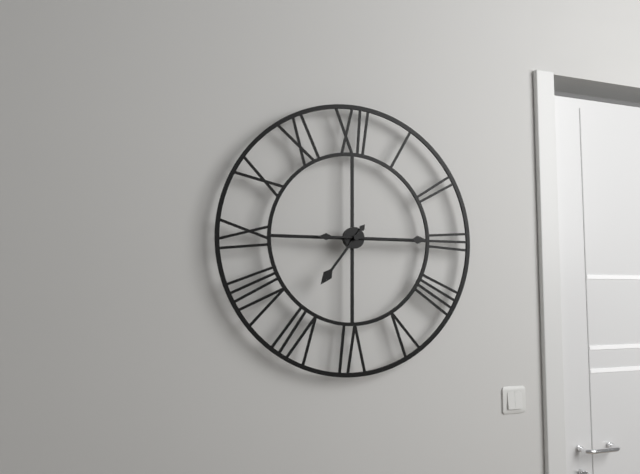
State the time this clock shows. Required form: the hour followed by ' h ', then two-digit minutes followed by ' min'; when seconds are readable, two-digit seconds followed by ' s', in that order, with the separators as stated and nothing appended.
7 h 15 min
